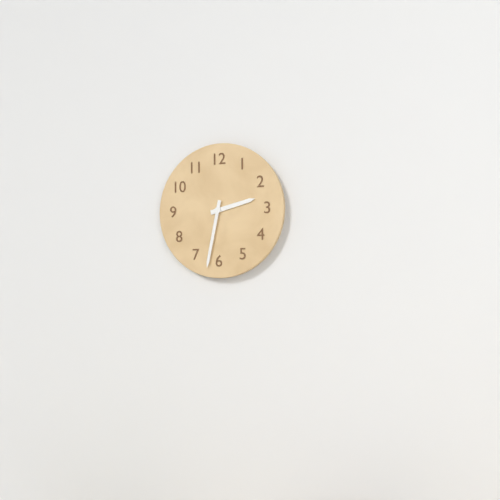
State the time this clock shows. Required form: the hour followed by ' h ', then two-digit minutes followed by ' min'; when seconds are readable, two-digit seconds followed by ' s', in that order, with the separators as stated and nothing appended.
2 h 32 min
